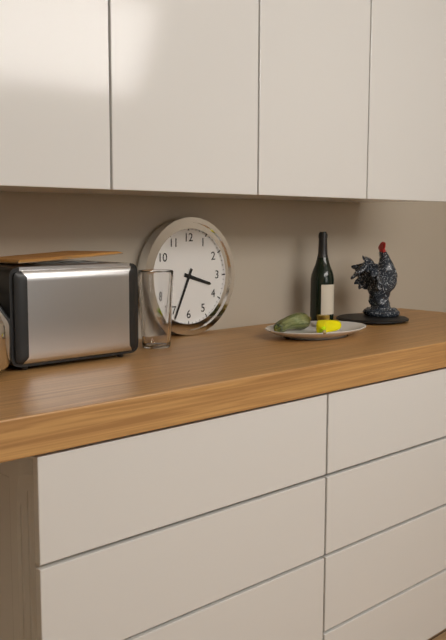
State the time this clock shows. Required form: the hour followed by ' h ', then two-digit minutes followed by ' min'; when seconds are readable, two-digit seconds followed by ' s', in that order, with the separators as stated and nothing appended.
3 h 34 min
